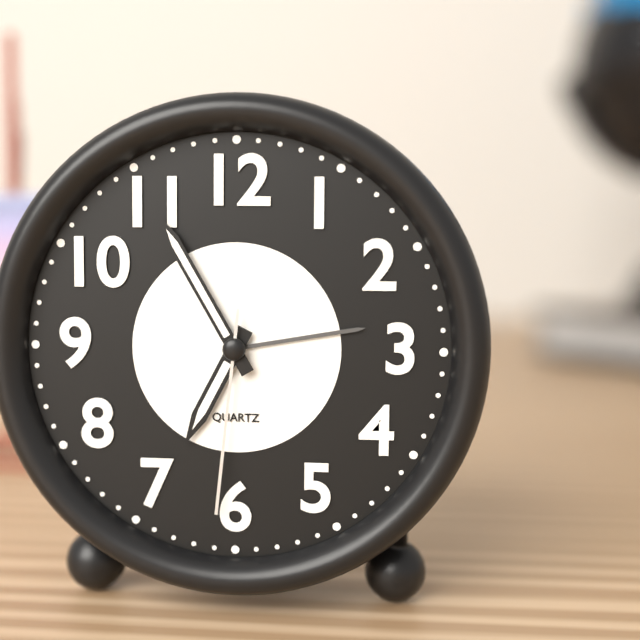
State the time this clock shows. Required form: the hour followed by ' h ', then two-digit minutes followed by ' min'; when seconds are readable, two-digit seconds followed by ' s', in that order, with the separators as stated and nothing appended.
6 h 55 min 31 s
